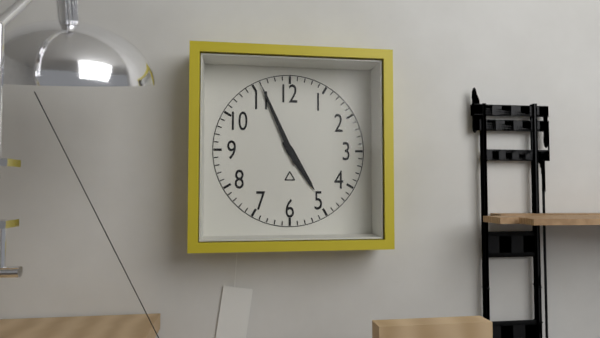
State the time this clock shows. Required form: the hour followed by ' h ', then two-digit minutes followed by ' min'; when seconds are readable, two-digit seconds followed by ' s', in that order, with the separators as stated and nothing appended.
4 h 56 min
